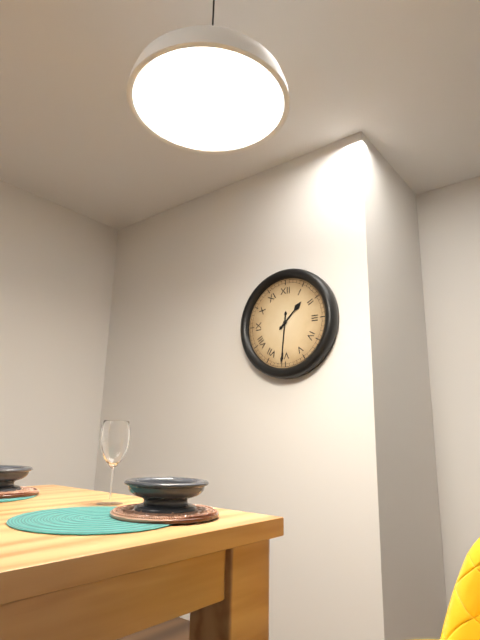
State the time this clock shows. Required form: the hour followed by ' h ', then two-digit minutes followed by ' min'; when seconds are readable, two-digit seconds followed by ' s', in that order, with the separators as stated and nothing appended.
1 h 31 min
